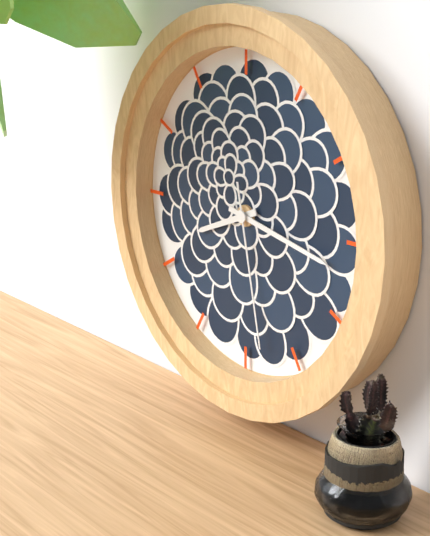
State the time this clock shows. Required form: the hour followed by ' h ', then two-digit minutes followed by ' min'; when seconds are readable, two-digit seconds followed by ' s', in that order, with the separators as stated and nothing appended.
8 h 17 min 28 s
